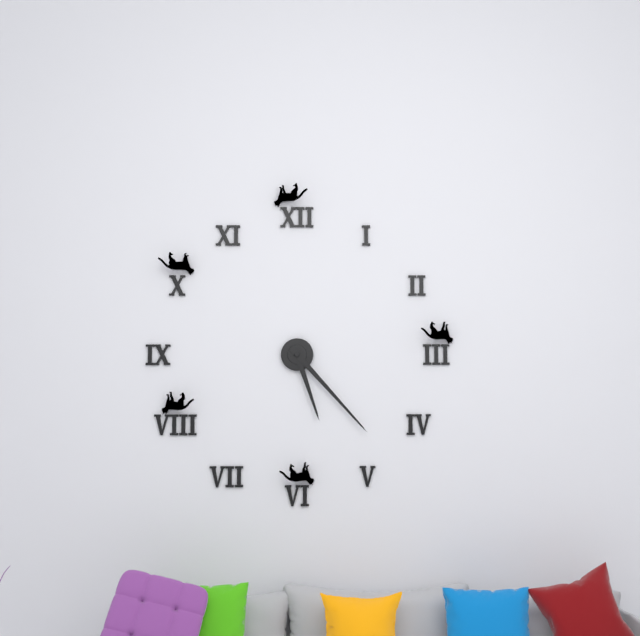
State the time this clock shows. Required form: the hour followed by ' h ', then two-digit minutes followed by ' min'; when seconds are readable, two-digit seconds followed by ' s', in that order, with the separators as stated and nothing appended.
5 h 23 min
